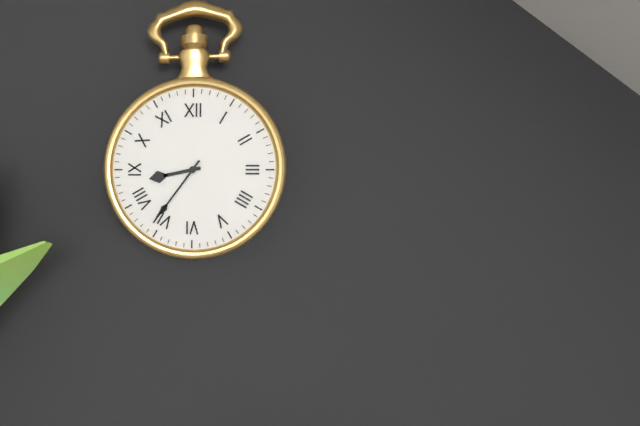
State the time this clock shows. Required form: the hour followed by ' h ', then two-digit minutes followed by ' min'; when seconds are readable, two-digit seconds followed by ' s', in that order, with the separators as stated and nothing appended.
8 h 36 min
